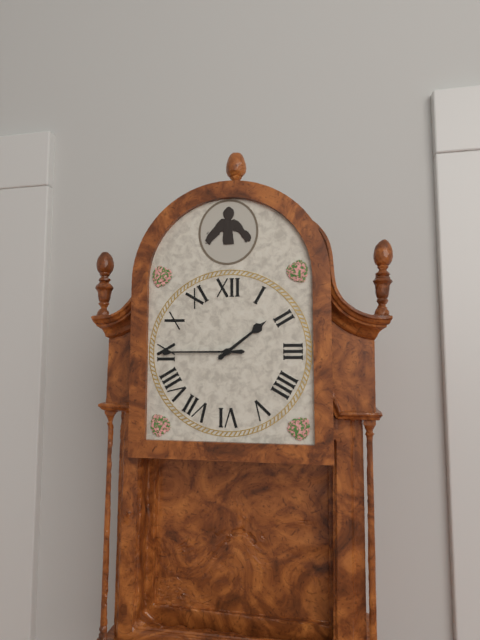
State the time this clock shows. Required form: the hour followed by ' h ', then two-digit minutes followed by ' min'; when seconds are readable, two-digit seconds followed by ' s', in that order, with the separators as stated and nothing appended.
1 h 45 min
